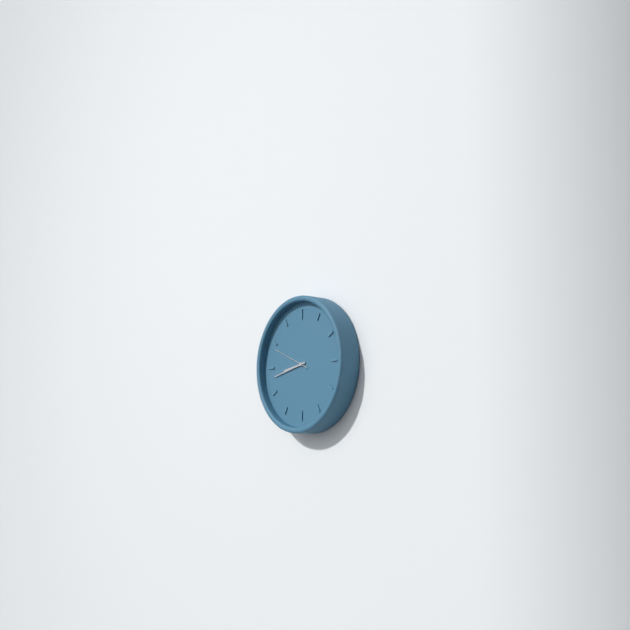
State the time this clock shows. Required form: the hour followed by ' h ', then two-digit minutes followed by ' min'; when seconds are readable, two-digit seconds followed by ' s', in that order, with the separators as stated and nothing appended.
8 h 43 min
